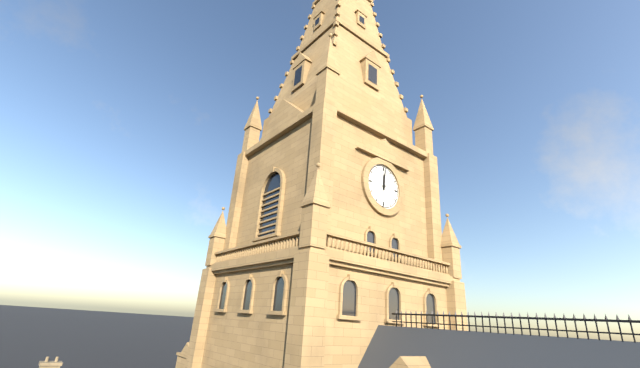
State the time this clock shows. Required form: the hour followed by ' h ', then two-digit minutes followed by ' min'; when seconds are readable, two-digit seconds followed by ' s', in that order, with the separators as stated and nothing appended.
12 h 01 min
